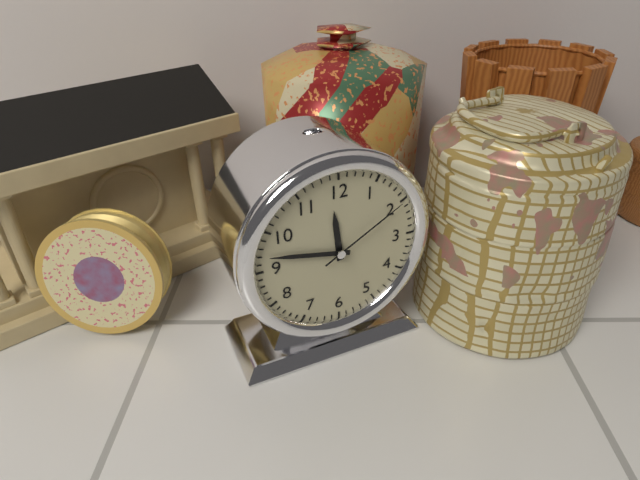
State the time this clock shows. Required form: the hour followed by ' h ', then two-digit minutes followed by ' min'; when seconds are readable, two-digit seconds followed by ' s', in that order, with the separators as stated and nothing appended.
11 h 47 min 10 s
